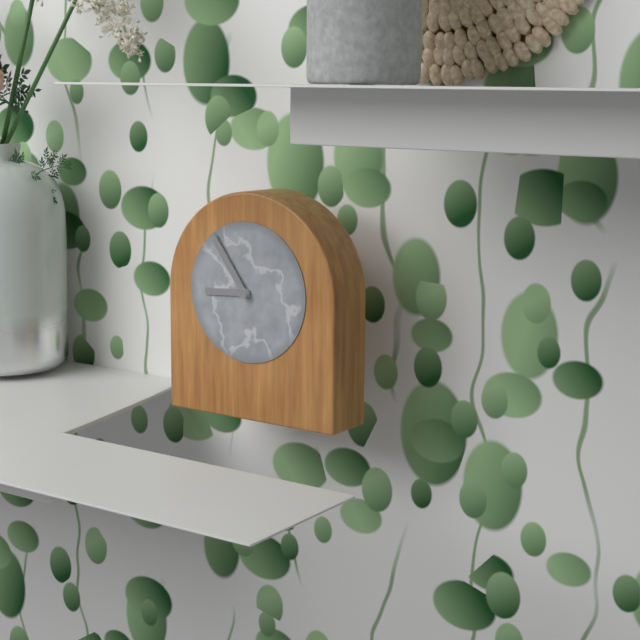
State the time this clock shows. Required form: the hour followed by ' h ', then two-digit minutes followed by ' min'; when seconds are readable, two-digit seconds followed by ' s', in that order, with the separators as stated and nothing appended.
8 h 54 min
